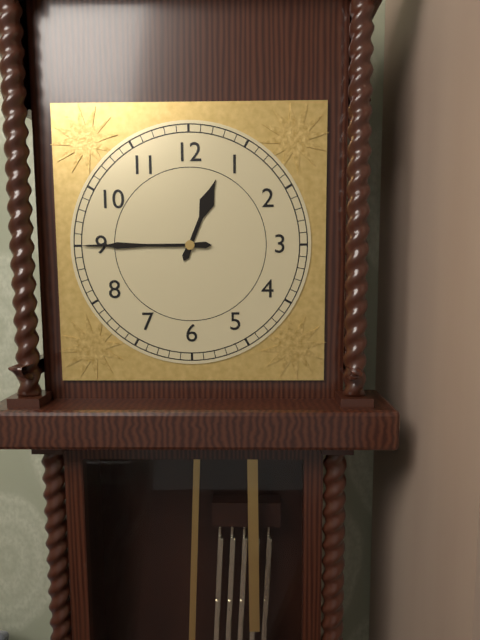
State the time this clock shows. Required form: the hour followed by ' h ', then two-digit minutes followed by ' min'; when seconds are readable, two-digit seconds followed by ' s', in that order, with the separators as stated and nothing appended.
12 h 45 min
